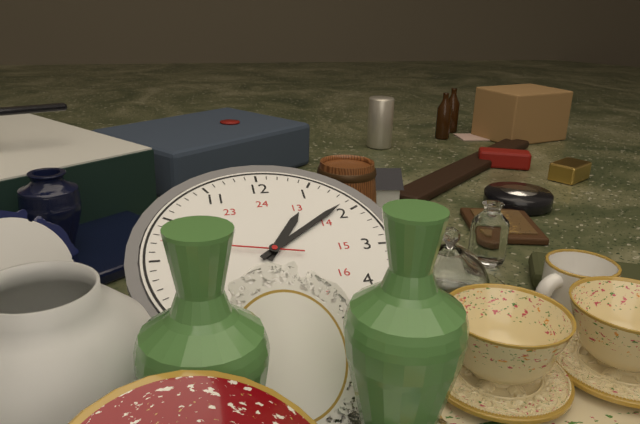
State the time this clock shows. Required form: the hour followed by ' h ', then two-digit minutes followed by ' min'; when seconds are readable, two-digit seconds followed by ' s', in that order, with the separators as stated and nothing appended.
1 h 09 min
